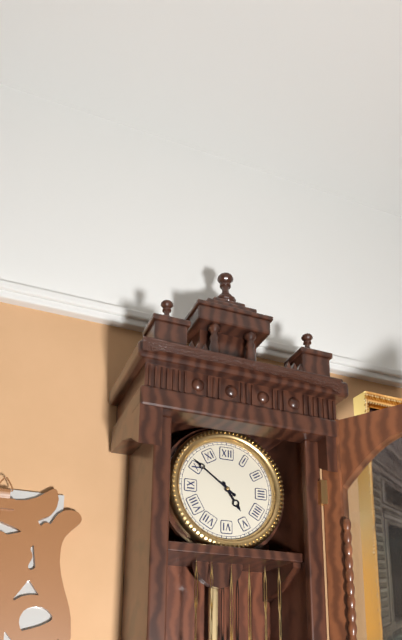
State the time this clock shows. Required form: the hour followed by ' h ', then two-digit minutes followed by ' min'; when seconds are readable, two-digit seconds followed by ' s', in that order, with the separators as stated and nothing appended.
4 h 51 min
